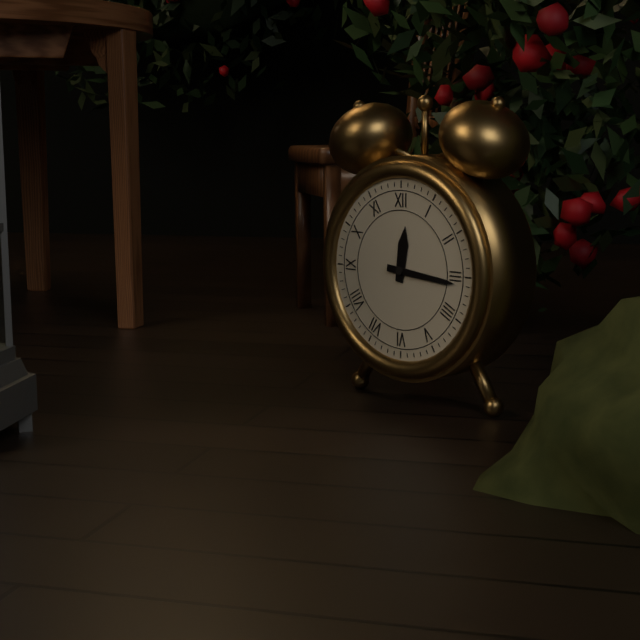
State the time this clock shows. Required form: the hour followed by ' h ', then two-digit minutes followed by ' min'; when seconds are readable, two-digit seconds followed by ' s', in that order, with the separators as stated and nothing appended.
12 h 16 min
